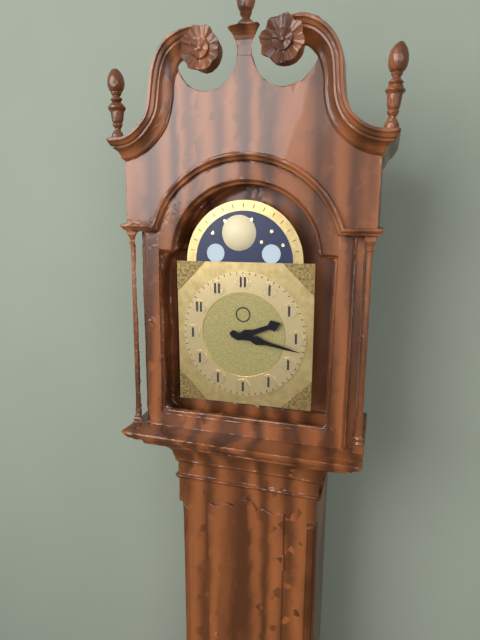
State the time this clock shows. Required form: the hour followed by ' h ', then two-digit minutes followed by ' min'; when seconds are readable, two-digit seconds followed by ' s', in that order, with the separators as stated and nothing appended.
2 h 17 min
